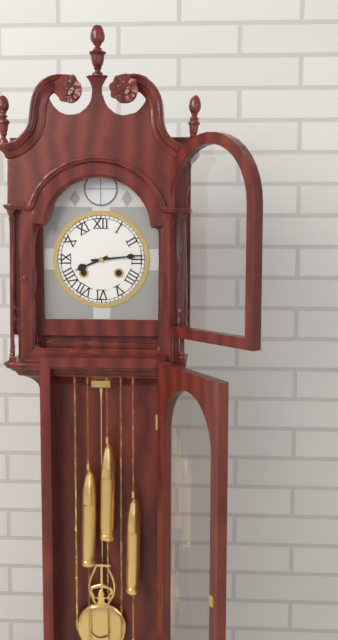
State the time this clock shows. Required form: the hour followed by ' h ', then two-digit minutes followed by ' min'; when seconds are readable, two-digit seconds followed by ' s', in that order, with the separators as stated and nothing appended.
8 h 14 min
